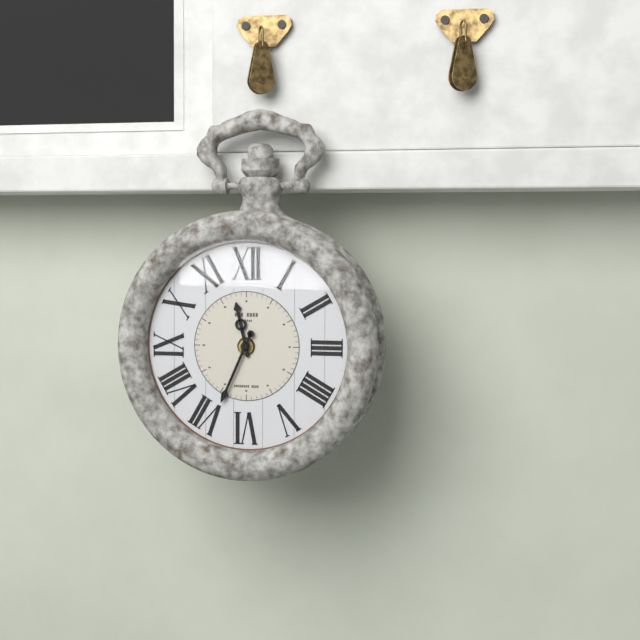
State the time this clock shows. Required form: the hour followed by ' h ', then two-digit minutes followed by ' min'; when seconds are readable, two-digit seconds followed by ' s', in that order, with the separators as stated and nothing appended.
11 h 34 min
